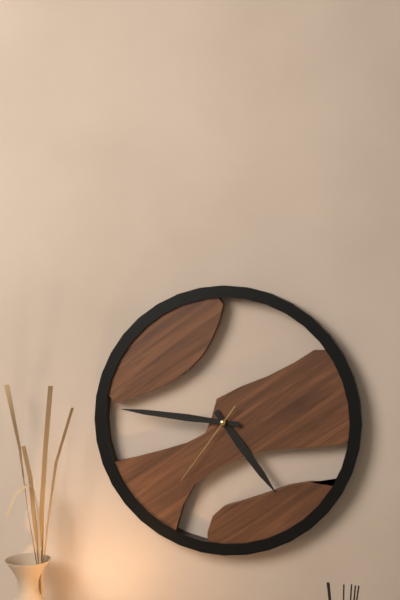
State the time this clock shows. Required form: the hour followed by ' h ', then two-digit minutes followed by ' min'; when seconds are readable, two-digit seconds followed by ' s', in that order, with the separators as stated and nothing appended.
4 h 46 min 36 s
